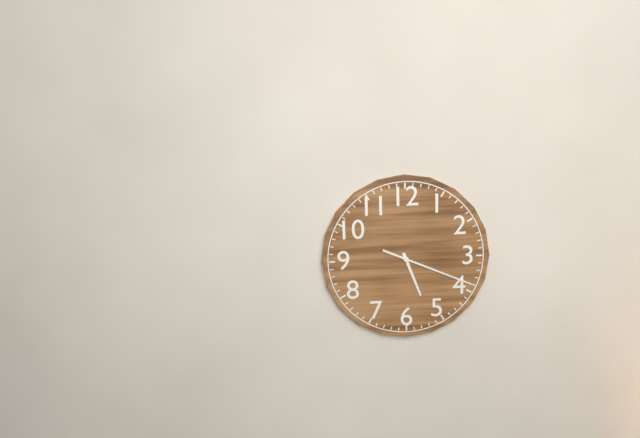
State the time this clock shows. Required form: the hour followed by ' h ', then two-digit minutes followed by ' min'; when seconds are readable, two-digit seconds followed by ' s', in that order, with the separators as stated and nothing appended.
5 h 19 min
